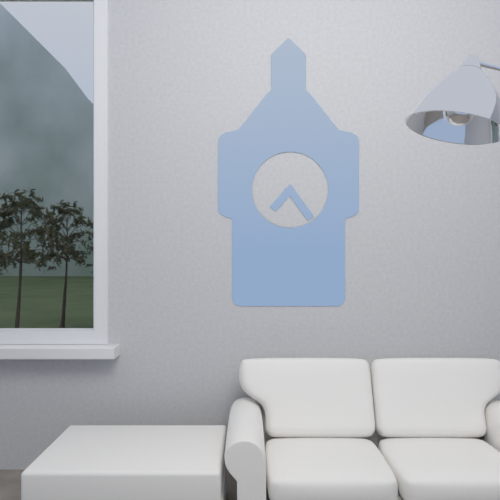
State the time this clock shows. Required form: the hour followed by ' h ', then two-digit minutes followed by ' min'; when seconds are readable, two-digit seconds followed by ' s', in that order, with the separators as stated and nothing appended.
7 h 24 min
